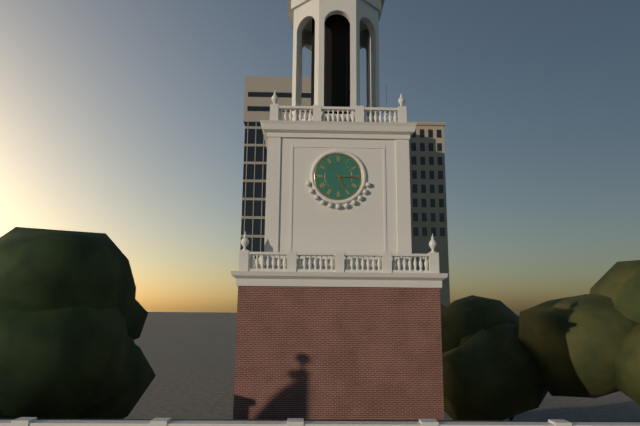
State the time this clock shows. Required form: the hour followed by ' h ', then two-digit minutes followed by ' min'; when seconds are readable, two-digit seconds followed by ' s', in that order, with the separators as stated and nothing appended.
5 h 15 min
